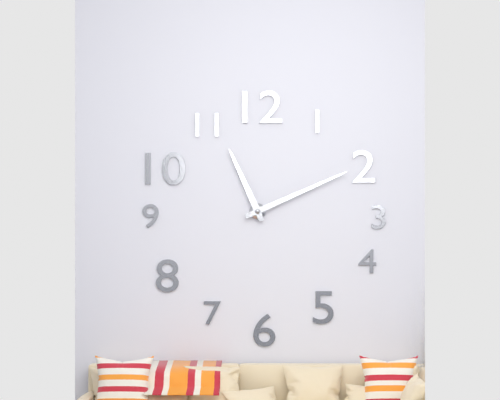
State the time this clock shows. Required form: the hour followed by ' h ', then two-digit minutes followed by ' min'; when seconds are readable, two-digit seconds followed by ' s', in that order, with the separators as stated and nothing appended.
11 h 11 min
